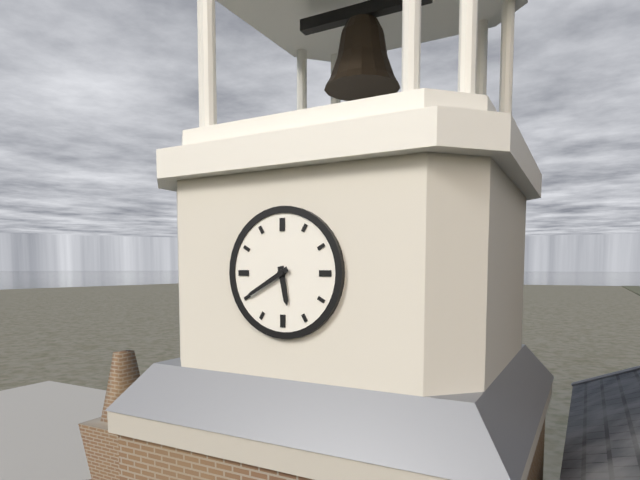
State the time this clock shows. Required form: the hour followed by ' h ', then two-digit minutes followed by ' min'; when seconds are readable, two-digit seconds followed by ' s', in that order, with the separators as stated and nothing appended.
5 h 40 min
